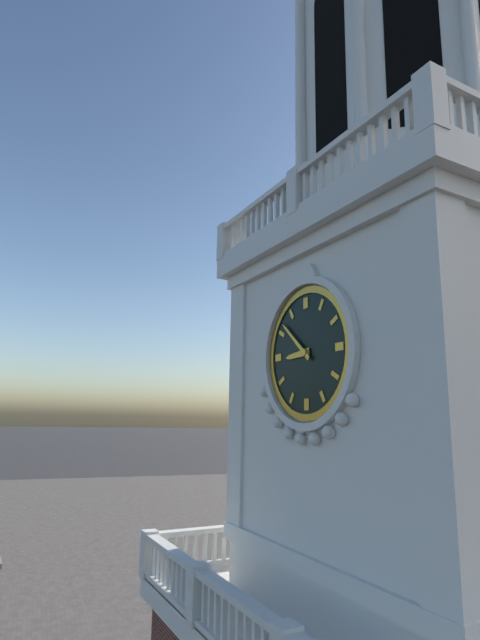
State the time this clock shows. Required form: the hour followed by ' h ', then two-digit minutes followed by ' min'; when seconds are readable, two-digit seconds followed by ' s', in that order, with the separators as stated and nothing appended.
8 h 52 min
